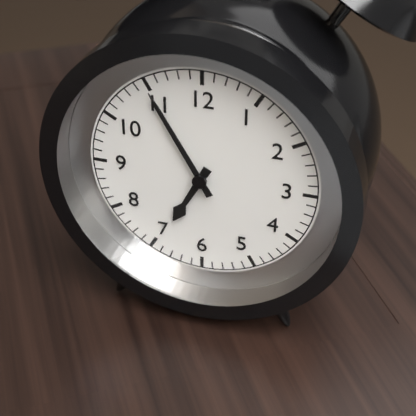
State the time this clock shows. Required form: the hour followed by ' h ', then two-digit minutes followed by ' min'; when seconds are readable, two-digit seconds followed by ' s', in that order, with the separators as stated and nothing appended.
6 h 55 min
